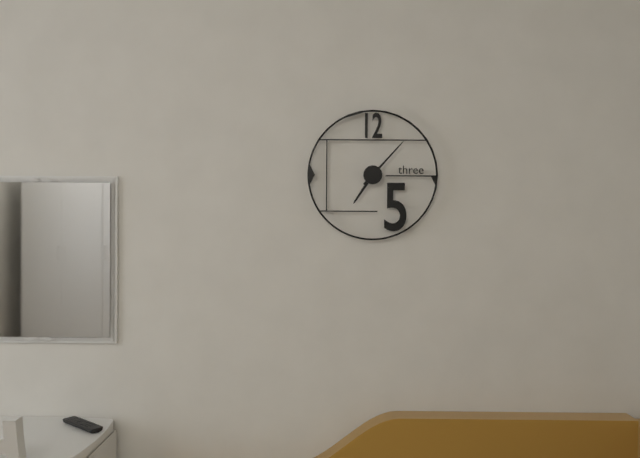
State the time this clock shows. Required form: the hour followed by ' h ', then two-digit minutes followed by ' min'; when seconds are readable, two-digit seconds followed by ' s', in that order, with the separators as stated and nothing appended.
7 h 07 min
